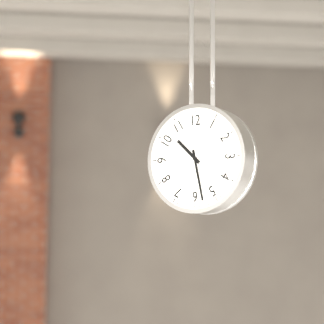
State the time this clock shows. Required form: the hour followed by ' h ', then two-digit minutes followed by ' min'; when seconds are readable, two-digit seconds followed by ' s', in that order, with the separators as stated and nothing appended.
10 h 28 min
